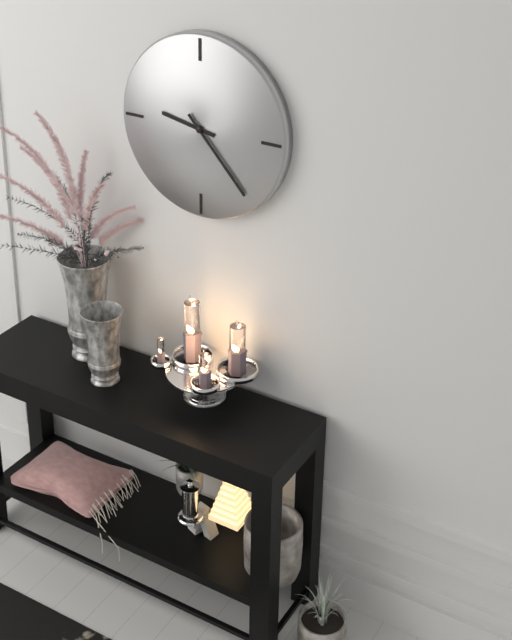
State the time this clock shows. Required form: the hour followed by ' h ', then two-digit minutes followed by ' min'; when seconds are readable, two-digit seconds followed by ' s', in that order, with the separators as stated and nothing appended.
9 h 23 min
